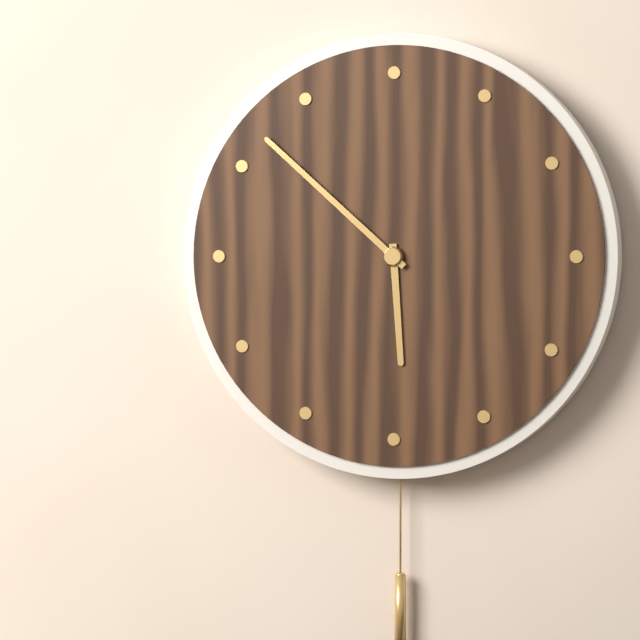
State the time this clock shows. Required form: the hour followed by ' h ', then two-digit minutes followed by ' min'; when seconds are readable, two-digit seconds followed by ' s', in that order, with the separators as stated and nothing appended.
5 h 52 min
